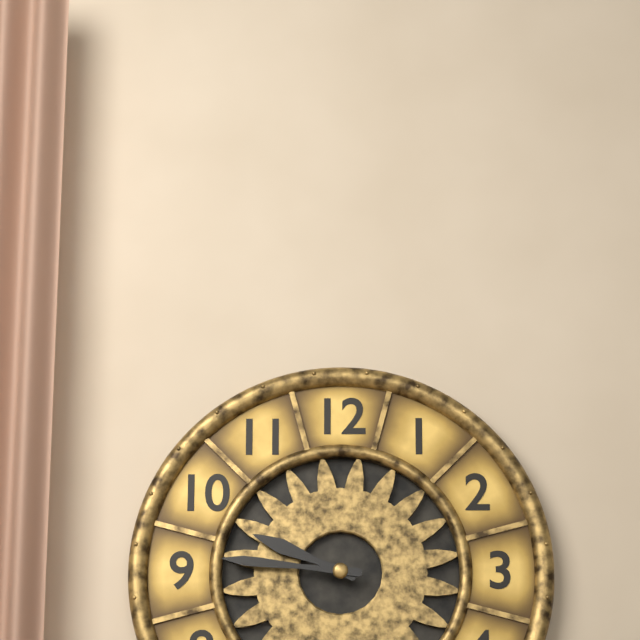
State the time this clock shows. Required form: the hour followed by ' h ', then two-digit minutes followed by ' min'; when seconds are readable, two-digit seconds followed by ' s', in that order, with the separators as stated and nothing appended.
9 h 46 min
